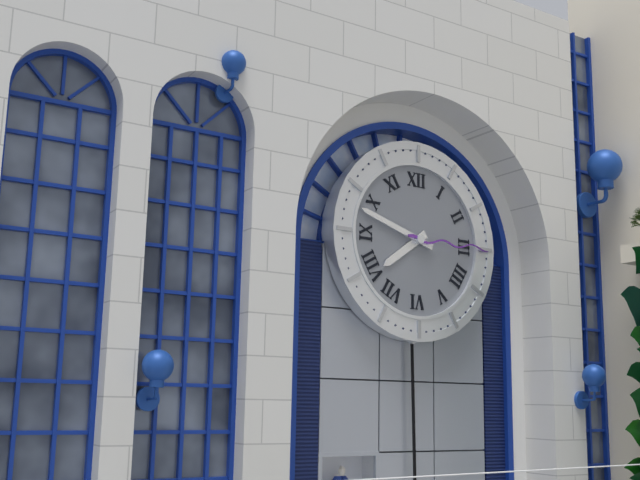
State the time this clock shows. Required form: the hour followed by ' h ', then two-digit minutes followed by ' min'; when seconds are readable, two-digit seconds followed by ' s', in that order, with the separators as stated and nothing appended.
7 h 48 min 15 s
